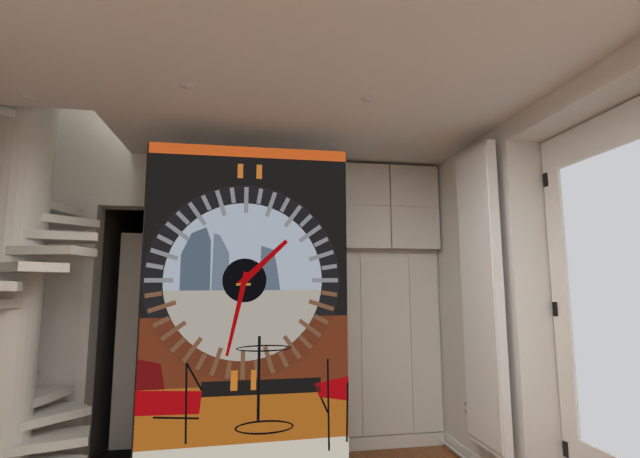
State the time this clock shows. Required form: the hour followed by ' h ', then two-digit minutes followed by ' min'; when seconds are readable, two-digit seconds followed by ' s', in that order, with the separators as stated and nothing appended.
1 h 32 min
